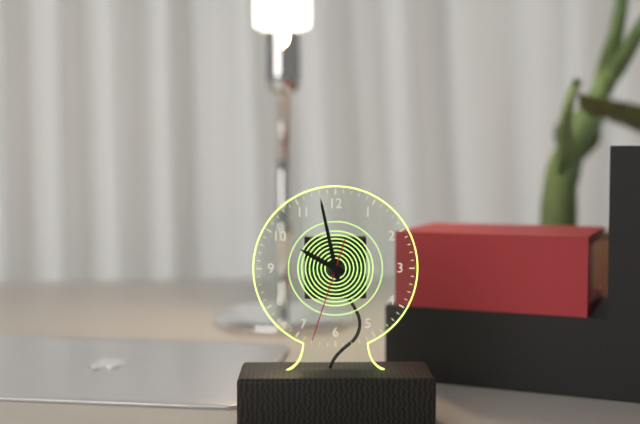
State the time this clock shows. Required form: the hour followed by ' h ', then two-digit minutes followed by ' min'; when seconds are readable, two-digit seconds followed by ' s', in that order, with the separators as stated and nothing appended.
9 h 58 min 33 s
